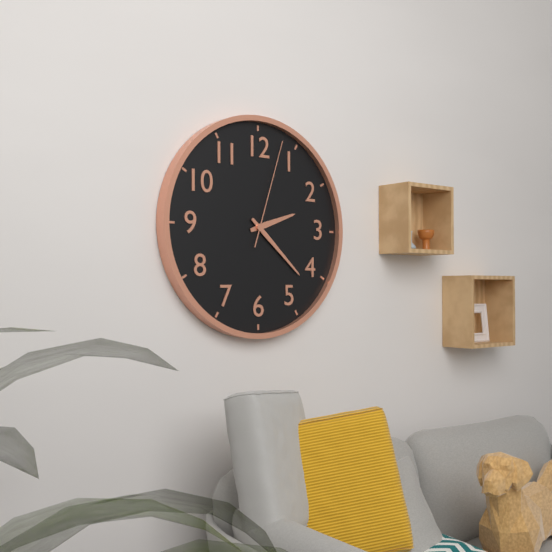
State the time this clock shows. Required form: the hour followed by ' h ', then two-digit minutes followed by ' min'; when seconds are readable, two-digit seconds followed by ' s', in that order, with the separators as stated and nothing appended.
2 h 22 min 03 s
